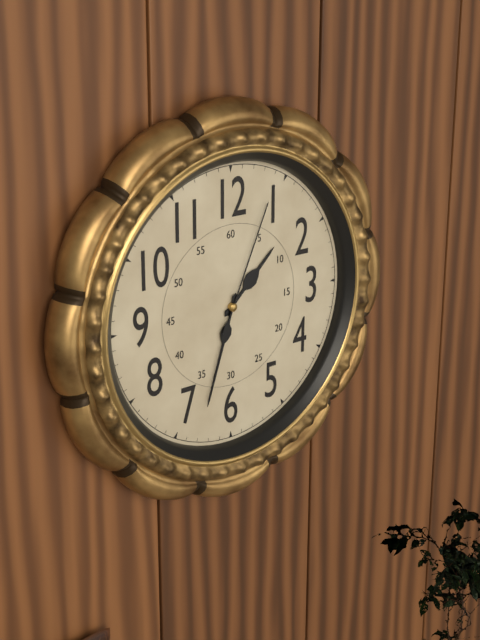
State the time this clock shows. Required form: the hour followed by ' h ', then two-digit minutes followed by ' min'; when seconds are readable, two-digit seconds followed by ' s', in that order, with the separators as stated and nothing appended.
1 h 33 min 04 s
